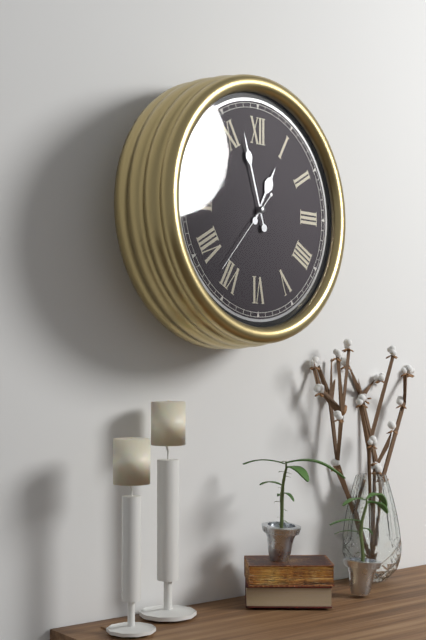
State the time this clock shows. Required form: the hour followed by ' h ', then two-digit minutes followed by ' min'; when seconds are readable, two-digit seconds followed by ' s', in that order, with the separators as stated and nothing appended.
12 h 57 min 37 s
